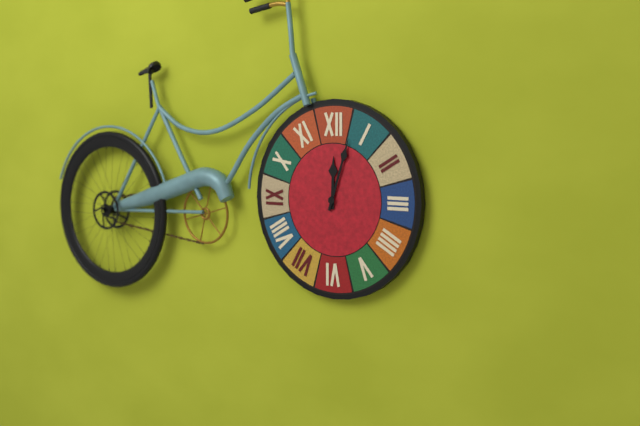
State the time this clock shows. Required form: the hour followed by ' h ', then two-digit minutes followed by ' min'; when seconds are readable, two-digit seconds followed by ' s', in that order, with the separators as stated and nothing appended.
12 h 03 min
